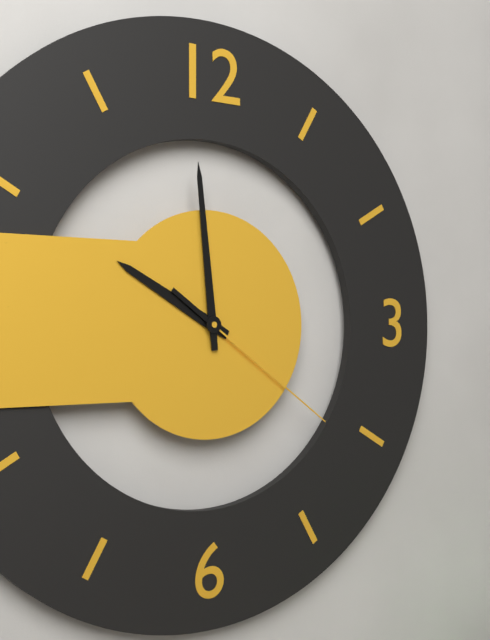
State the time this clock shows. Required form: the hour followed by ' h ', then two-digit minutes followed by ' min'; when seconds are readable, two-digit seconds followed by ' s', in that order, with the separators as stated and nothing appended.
9 h 59 min 21 s
